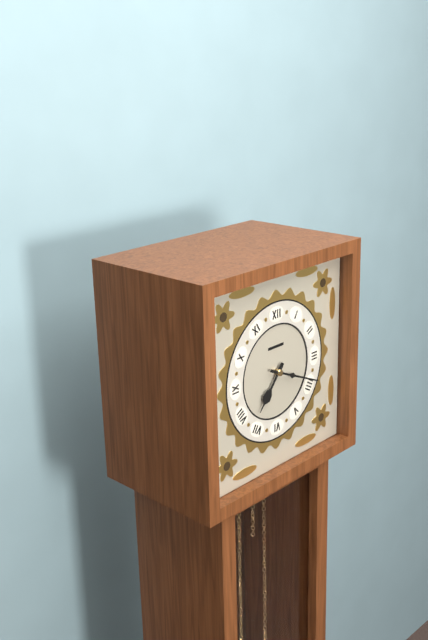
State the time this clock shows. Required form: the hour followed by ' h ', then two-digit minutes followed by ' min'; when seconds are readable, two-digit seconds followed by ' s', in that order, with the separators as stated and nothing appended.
7 h 19 min
